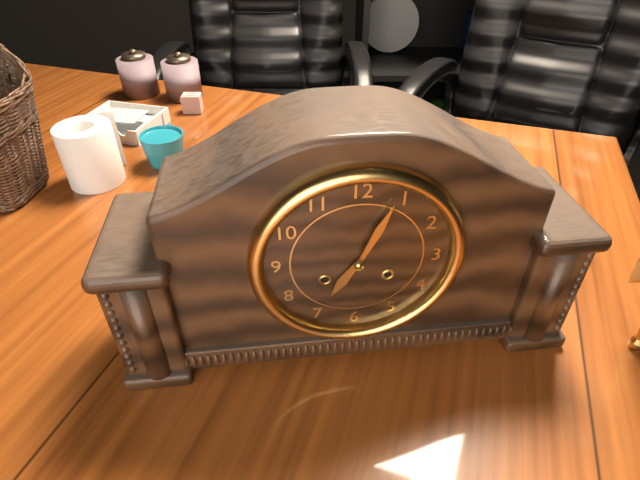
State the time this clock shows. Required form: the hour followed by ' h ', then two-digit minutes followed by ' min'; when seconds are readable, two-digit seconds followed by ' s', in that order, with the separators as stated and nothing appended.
7 h 04 min
